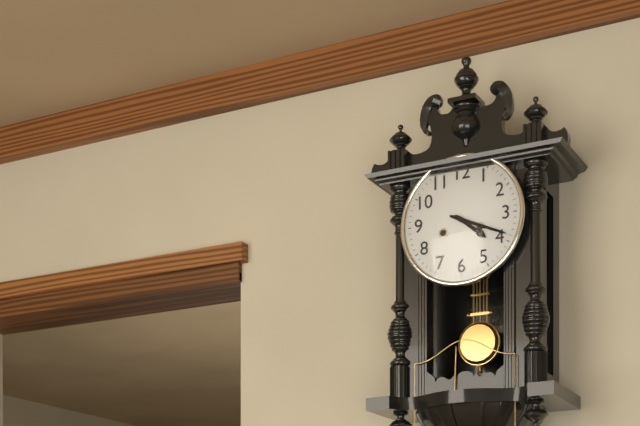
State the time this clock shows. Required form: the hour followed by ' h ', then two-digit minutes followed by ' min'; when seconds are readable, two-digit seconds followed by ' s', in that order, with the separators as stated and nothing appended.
4 h 19 min
